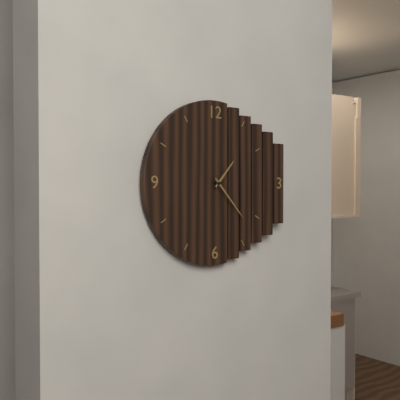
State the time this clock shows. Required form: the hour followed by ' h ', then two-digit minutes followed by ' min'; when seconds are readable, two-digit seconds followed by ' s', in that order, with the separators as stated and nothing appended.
1 h 23 min
